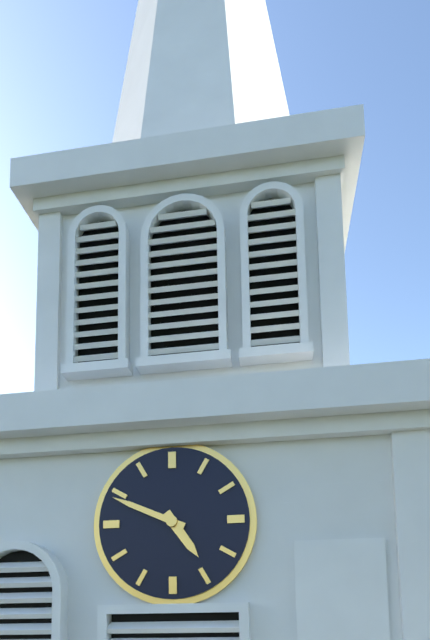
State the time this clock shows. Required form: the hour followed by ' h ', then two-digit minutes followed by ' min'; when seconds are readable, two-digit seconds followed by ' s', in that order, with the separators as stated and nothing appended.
4 h 49 min
